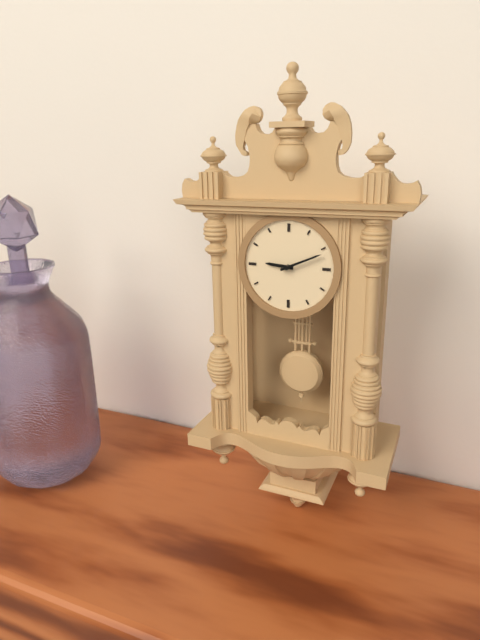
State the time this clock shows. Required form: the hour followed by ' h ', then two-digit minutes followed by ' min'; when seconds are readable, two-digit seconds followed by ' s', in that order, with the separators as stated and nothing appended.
9 h 11 min
